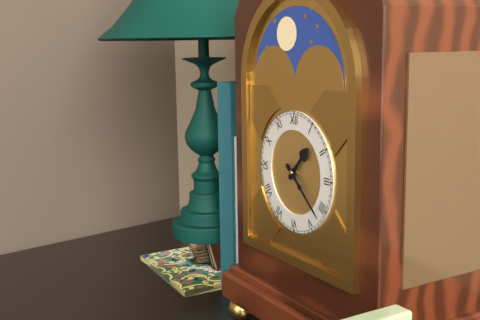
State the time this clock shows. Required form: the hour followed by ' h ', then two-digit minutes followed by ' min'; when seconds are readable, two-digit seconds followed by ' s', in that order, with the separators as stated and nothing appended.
1 h 22 min
